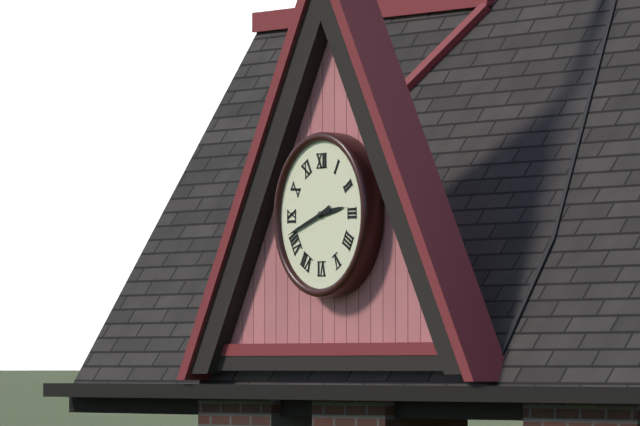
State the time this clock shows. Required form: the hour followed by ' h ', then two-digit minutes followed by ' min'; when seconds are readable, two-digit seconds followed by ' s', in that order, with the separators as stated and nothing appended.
2 h 42 min
